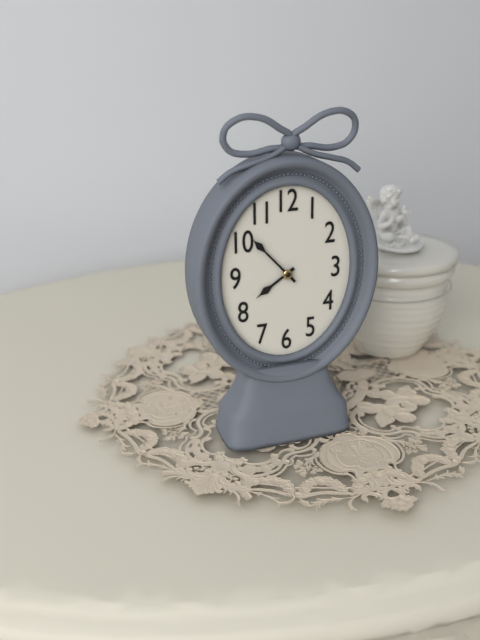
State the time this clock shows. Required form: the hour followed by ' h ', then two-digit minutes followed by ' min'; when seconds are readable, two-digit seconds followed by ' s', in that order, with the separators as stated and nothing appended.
7 h 53 min
